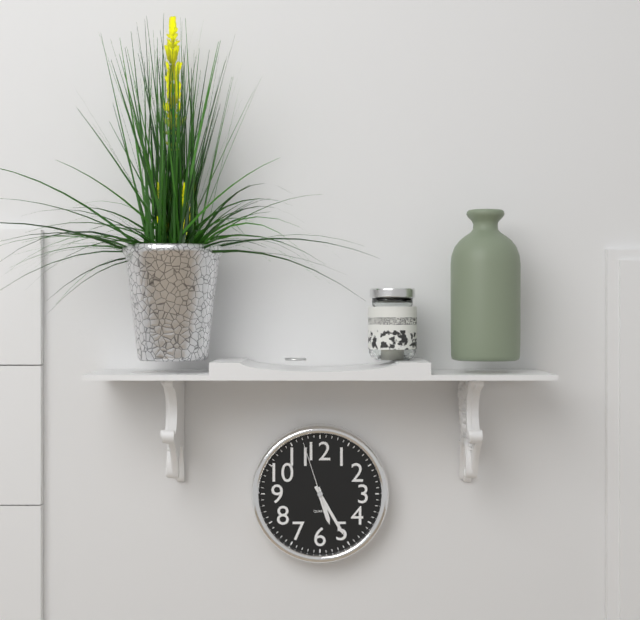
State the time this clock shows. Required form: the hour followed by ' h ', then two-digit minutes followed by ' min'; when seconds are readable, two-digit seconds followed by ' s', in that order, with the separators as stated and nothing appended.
5 h 25 min 57 s
